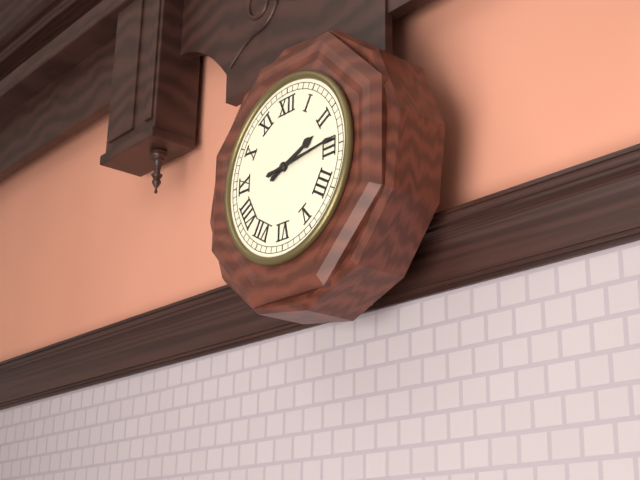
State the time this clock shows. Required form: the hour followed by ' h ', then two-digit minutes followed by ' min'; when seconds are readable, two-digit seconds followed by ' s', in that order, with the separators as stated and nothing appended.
2 h 14 min
